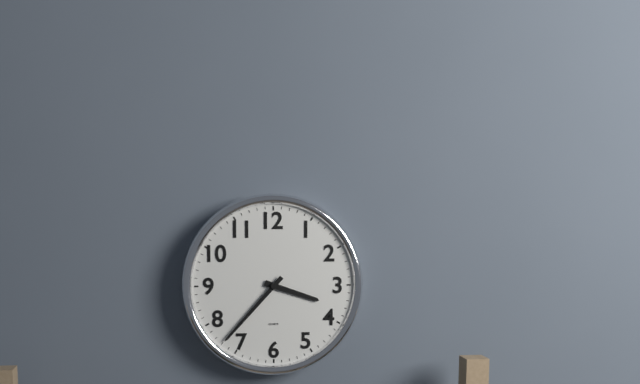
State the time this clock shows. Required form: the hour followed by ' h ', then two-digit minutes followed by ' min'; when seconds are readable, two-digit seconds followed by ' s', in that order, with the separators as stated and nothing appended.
3 h 37 min
